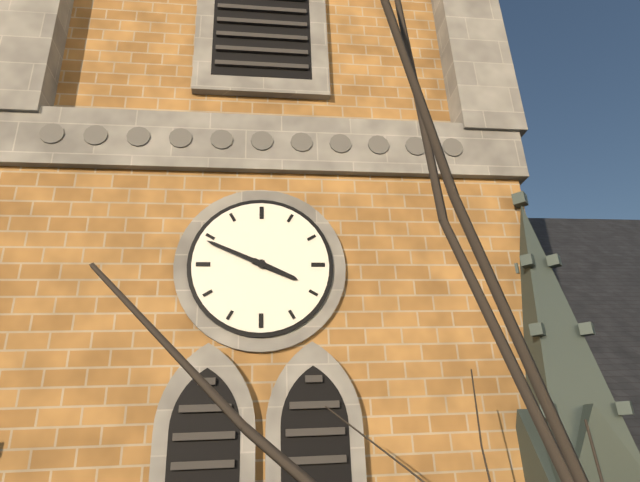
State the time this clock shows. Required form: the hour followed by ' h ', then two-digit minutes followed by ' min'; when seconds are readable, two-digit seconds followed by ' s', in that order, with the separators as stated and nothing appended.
3 h 49 min
